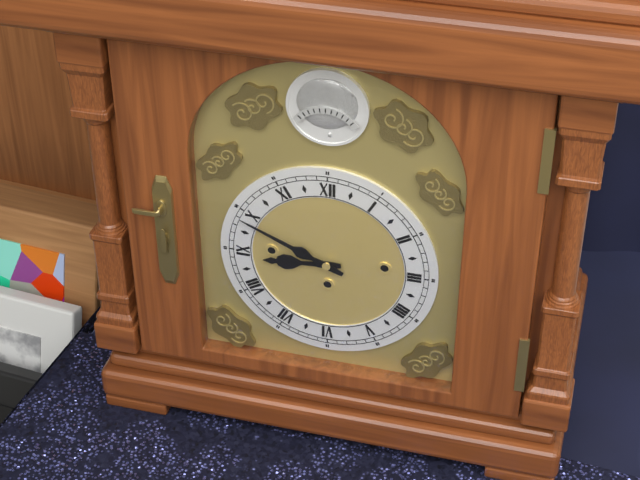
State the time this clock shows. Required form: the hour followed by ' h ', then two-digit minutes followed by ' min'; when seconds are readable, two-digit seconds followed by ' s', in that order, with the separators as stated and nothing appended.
8 h 49 min
